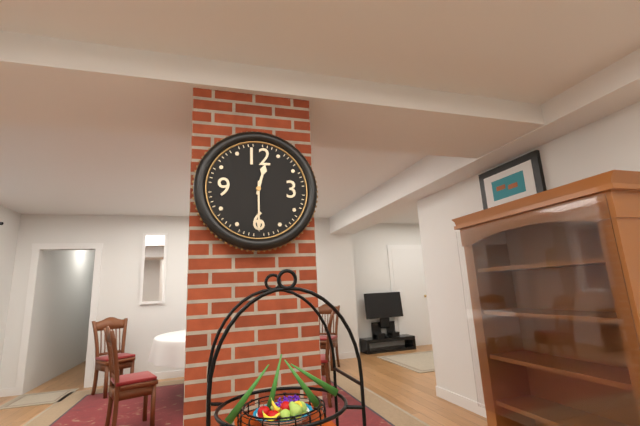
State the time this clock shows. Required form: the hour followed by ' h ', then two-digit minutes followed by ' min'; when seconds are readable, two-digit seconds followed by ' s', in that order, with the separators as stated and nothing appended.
12 h 30 min
